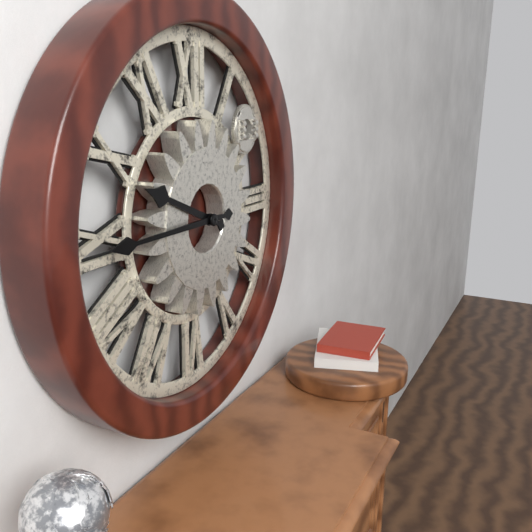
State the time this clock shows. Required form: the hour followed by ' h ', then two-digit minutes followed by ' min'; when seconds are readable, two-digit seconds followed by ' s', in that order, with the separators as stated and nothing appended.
9 h 45 min
